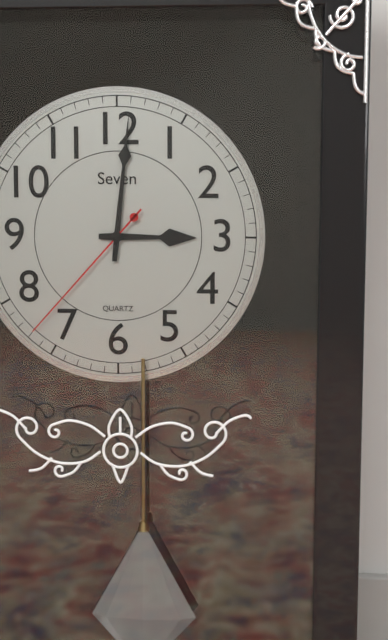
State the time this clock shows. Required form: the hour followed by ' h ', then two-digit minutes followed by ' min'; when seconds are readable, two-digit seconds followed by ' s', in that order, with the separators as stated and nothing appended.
3 h 01 min 37 s
